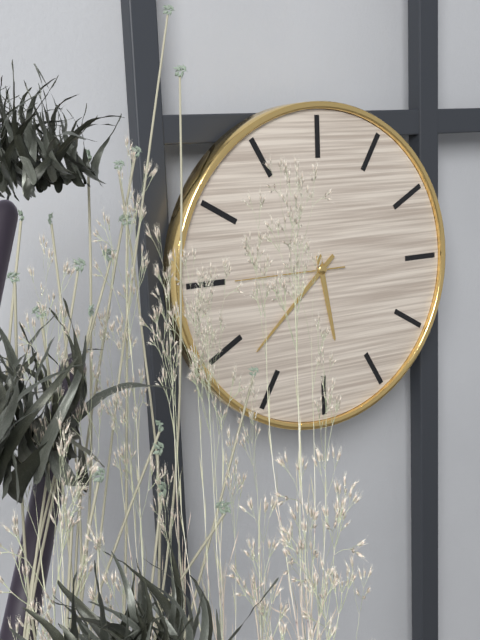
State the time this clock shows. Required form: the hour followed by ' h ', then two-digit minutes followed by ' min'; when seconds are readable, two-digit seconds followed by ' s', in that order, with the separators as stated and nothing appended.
5 h 38 min 45 s
